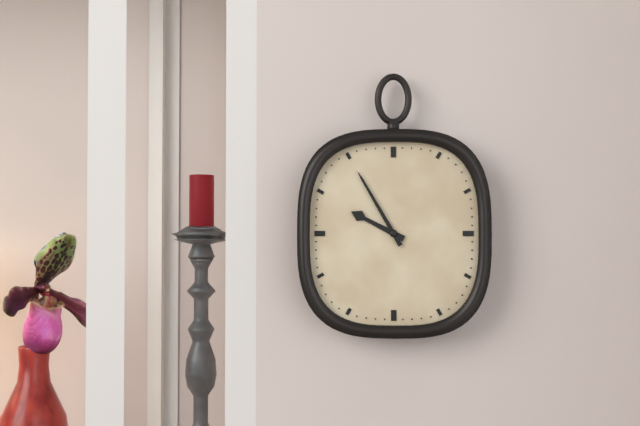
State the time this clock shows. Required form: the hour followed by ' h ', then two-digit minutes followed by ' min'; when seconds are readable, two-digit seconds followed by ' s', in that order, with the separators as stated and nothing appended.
9 h 55 min
